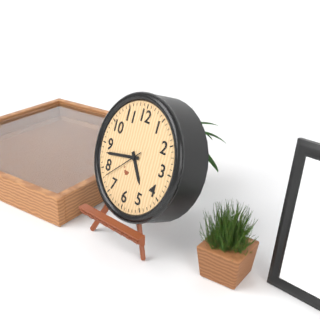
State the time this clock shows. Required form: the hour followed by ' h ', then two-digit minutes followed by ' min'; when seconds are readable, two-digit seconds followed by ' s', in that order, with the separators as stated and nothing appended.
4 h 43 min
